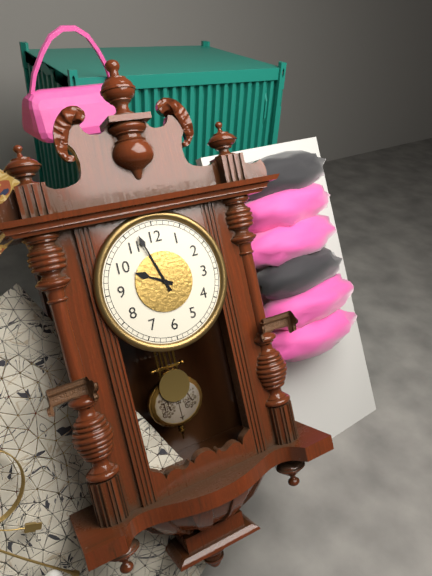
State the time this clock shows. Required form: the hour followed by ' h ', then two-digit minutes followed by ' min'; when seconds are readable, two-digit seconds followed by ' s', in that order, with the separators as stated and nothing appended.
9 h 57 min
